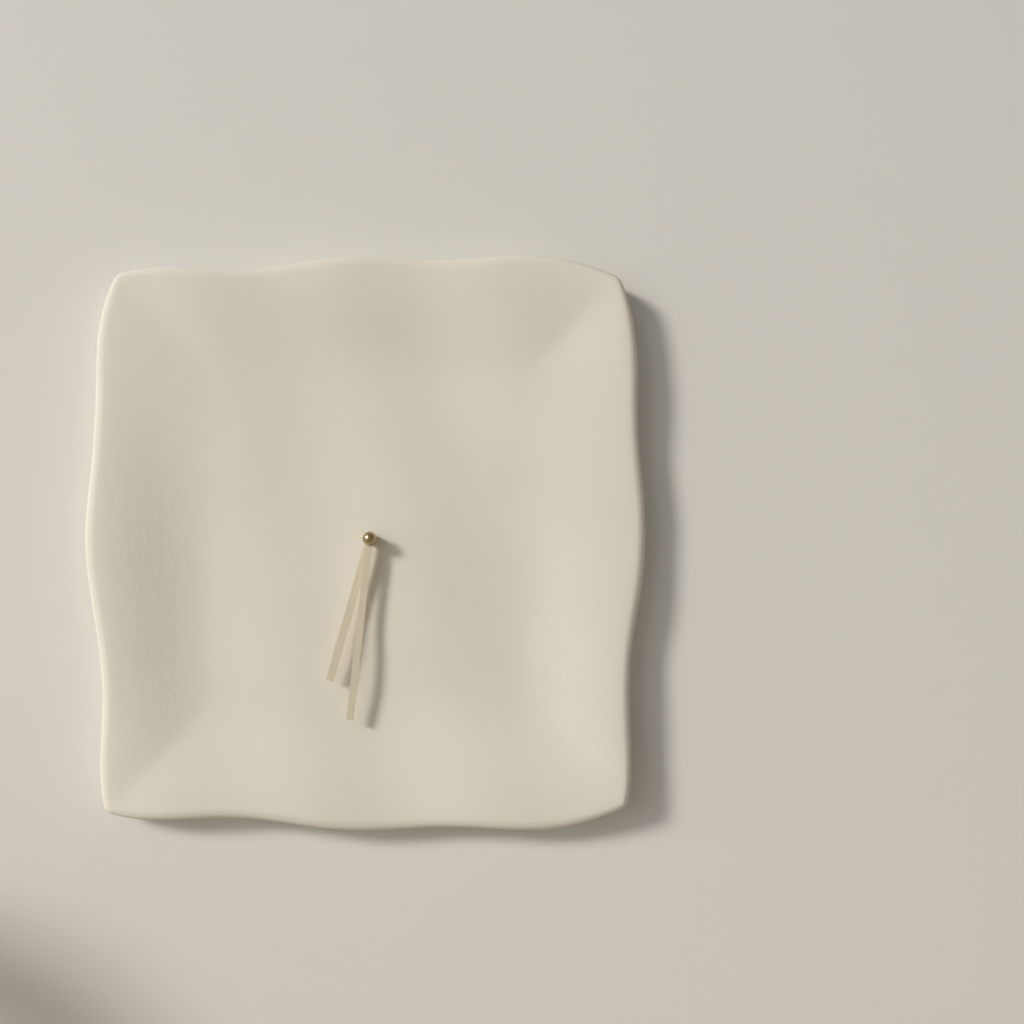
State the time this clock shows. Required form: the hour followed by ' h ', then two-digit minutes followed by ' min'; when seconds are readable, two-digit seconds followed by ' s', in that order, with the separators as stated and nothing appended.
6 h 31 min
